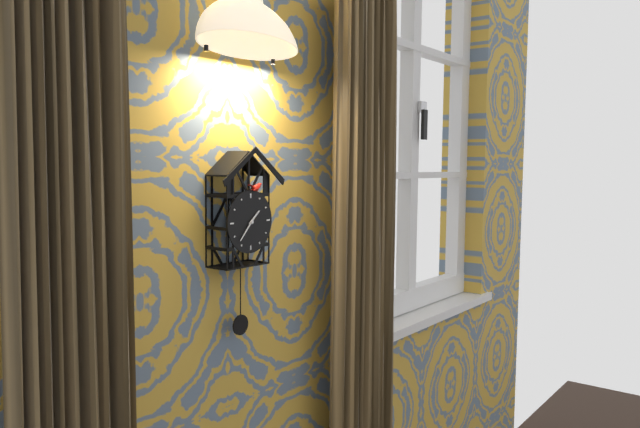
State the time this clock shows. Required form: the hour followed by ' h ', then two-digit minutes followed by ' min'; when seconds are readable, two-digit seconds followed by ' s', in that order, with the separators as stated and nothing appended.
1 h 37 min
